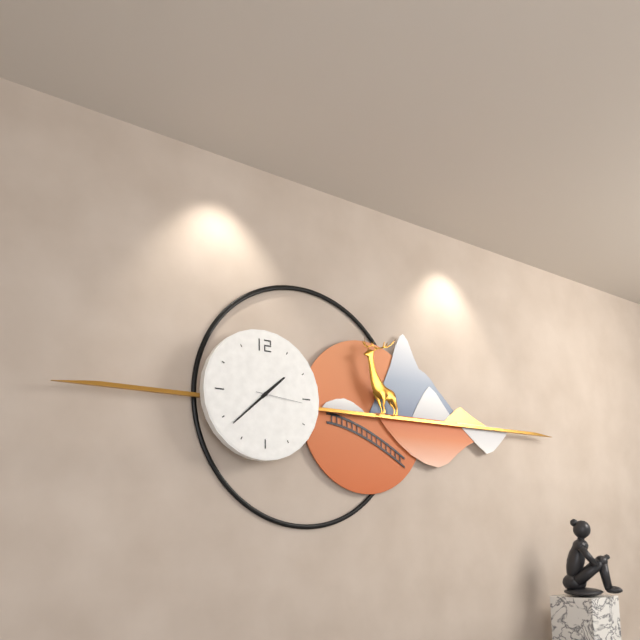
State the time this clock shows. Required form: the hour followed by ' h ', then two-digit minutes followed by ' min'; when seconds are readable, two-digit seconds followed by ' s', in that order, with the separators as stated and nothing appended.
1 h 38 min
